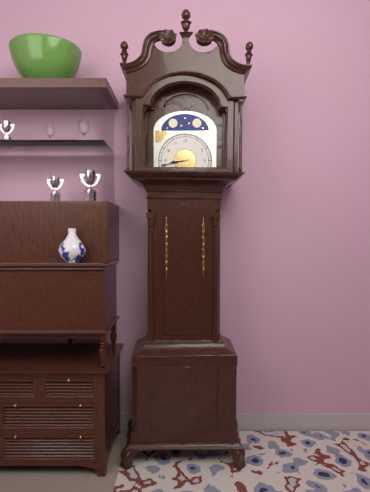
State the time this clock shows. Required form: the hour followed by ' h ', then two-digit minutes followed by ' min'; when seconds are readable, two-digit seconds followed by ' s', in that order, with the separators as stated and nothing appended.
8 h 43 min
